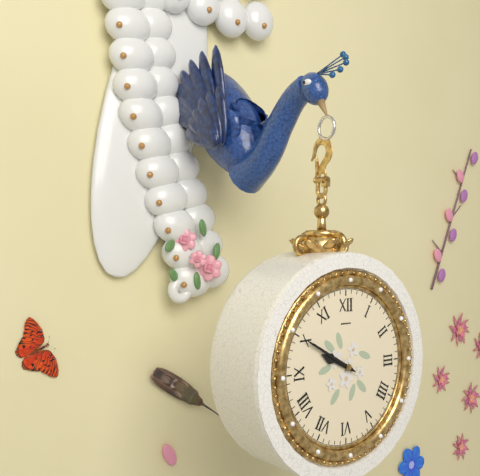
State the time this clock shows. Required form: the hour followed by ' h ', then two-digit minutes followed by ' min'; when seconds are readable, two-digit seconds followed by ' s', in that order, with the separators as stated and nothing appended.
9 h 50 min
